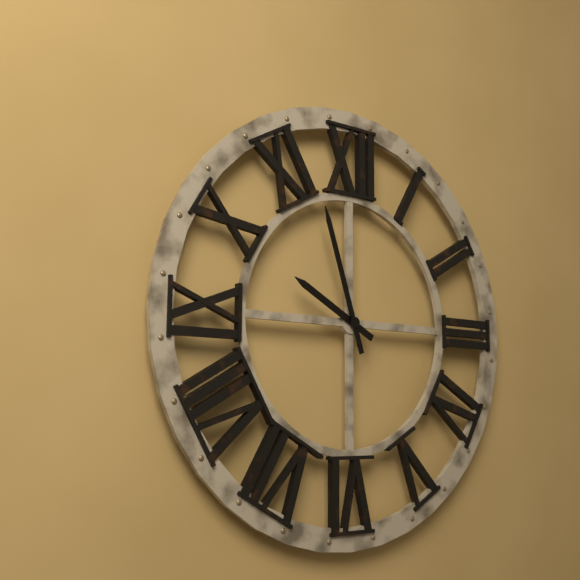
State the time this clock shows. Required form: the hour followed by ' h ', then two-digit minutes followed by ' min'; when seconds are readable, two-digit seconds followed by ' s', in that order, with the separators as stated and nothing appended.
9 h 57 min
